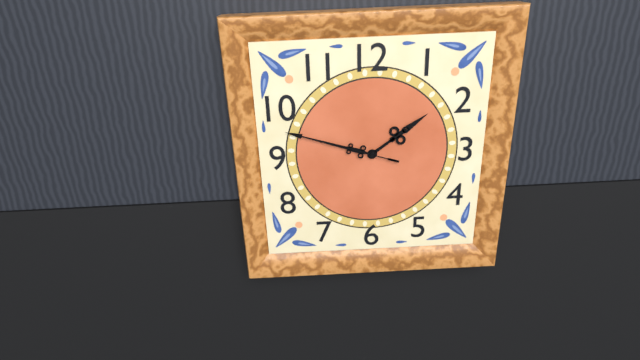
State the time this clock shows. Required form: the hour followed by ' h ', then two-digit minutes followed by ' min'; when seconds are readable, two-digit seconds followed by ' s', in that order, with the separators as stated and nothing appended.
1 h 48 min 48 s
